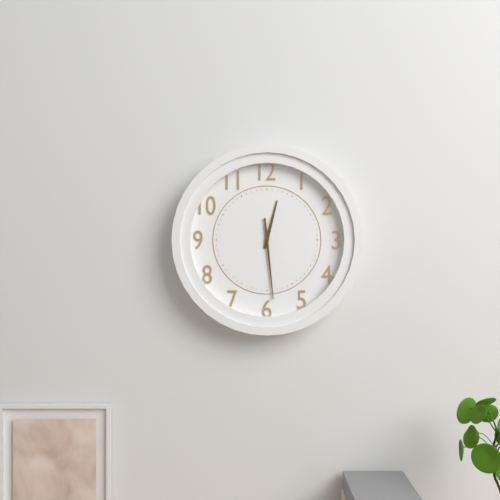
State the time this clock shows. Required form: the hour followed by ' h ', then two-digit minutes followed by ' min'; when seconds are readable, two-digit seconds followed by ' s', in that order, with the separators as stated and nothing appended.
12 h 29 min
